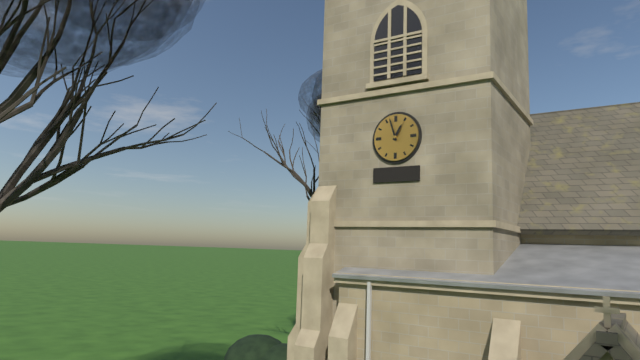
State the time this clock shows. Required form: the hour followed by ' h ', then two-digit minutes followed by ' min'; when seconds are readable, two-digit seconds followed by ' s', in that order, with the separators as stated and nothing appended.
12 h 57 min
